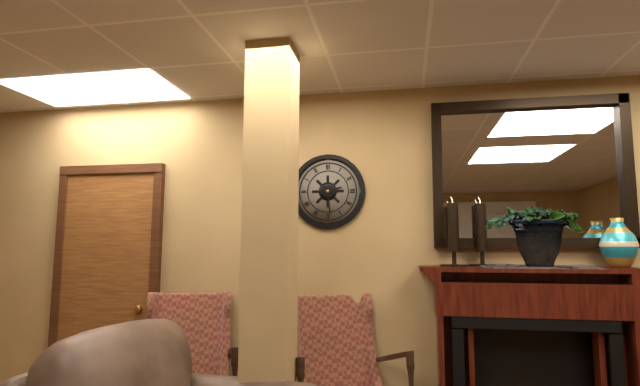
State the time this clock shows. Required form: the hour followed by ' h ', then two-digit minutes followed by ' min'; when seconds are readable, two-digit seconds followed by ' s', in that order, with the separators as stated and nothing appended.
2 h 29 min
